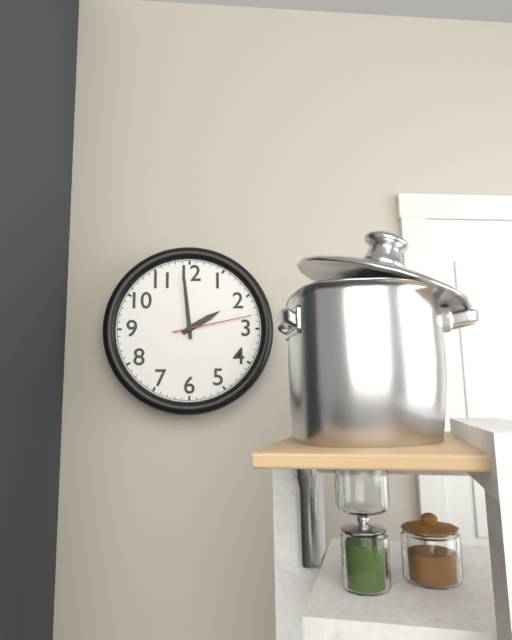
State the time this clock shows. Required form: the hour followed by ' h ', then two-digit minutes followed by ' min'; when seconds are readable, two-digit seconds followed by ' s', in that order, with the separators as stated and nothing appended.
1 h 59 min 13 s
